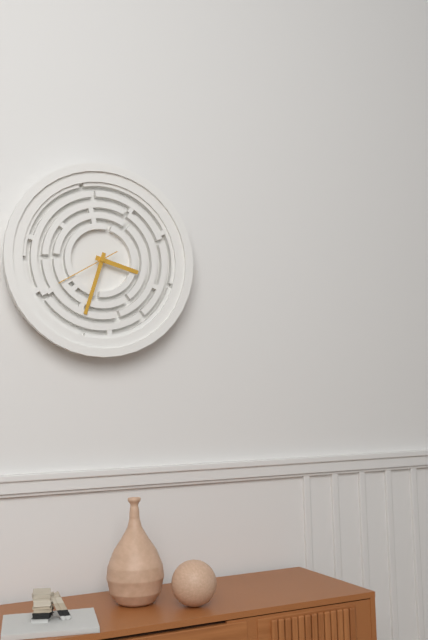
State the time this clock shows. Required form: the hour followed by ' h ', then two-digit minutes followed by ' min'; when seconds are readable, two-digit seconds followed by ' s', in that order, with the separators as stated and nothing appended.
3 h 33 min 40 s
